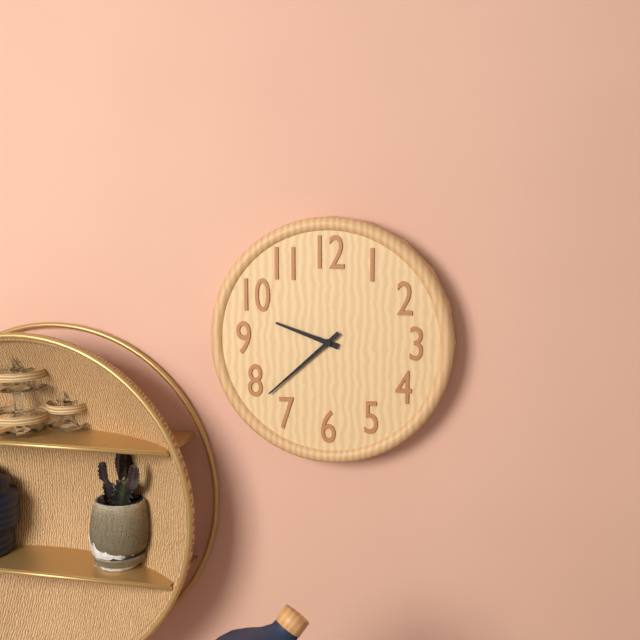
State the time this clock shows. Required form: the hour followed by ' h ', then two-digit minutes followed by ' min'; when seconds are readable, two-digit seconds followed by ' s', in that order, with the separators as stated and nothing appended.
9 h 38 min
